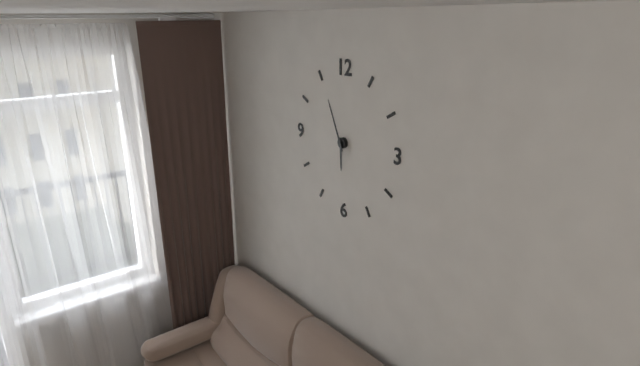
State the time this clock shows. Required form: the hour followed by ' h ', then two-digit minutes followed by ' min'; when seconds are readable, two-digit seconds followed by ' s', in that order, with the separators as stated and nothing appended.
5 h 56 min
